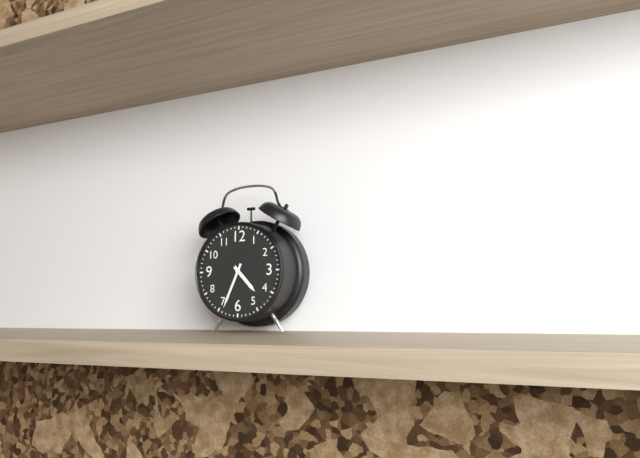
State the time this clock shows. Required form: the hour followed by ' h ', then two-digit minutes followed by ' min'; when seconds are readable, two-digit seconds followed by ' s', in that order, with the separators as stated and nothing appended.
4 h 34 min
